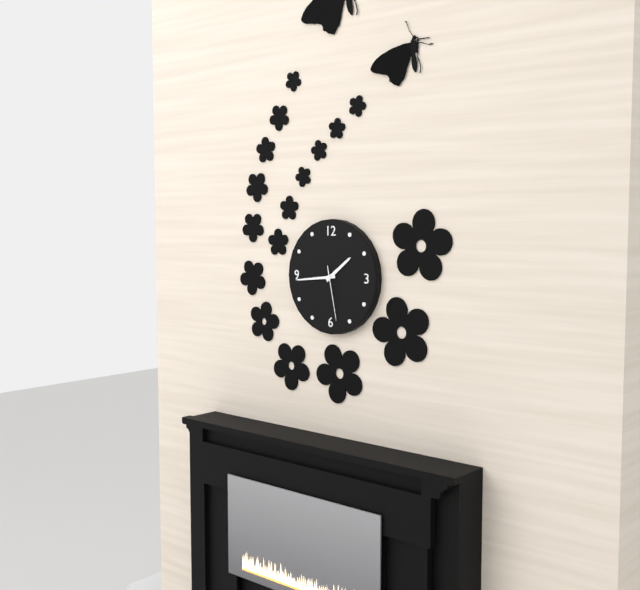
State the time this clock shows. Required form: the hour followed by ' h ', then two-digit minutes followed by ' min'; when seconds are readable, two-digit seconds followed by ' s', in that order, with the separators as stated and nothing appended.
1 h 44 min 28 s
